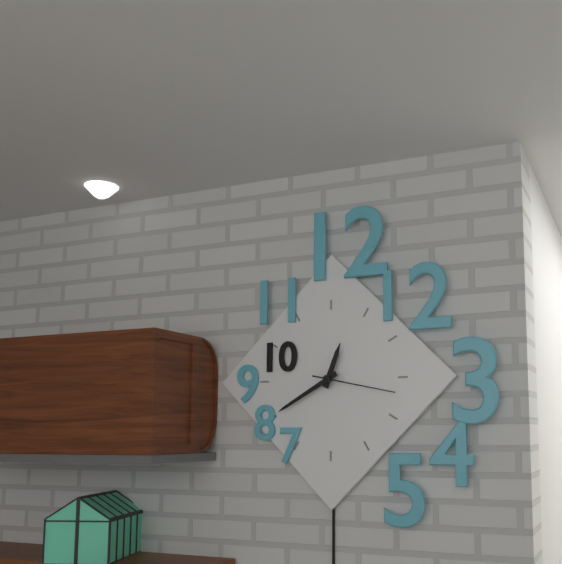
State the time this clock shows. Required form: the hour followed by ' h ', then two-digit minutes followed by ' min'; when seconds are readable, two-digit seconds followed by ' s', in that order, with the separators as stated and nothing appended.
12 h 40 min 17 s
